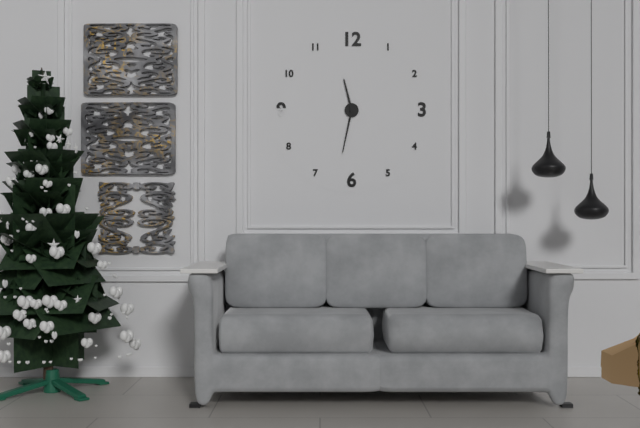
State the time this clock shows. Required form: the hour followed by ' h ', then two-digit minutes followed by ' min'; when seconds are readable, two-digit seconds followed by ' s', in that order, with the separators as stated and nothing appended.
11 h 32 min
